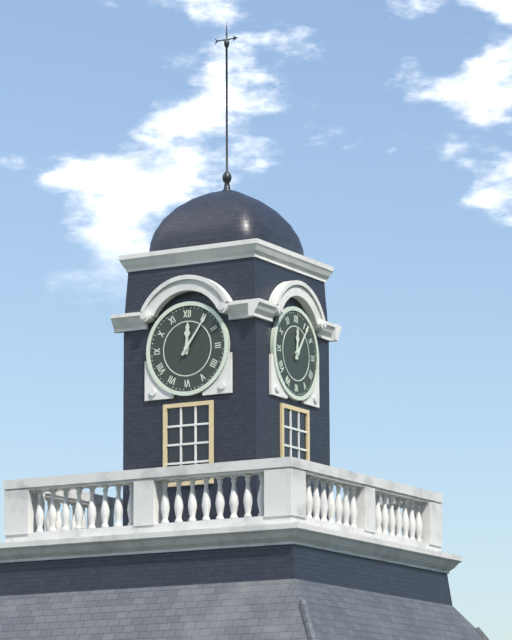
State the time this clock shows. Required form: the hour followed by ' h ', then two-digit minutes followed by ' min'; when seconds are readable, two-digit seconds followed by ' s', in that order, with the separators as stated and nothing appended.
12 h 06 min
